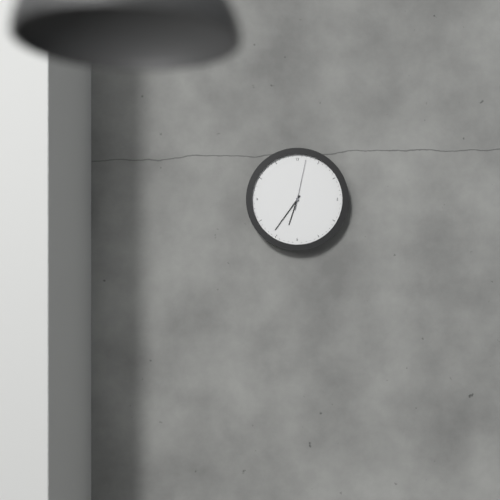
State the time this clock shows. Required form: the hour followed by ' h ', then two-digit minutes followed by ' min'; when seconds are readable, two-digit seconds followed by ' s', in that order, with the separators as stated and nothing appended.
6 h 36 min 02 s
